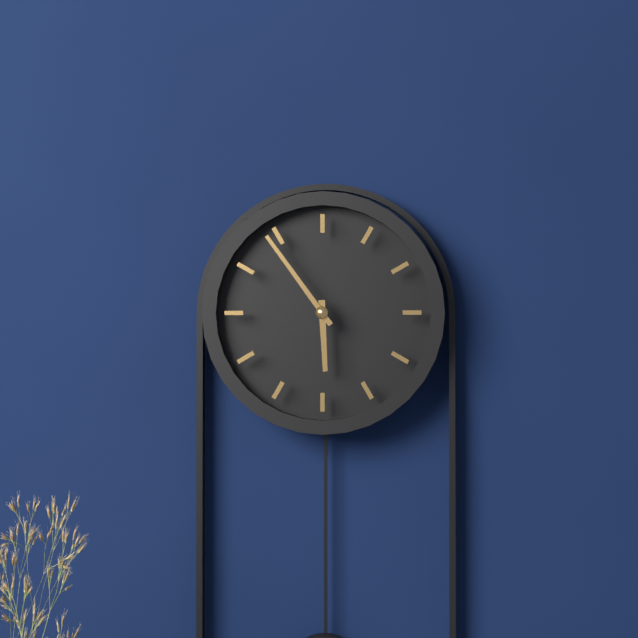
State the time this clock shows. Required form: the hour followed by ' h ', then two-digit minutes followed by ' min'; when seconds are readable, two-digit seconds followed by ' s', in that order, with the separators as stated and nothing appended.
5 h 54 min
